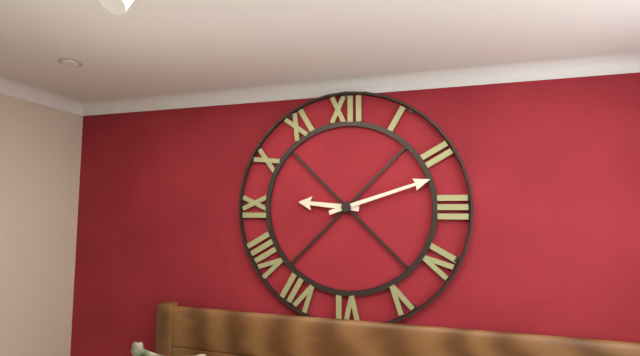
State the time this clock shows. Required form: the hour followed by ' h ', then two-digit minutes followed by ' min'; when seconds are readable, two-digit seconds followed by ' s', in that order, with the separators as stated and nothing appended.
9 h 12 min
